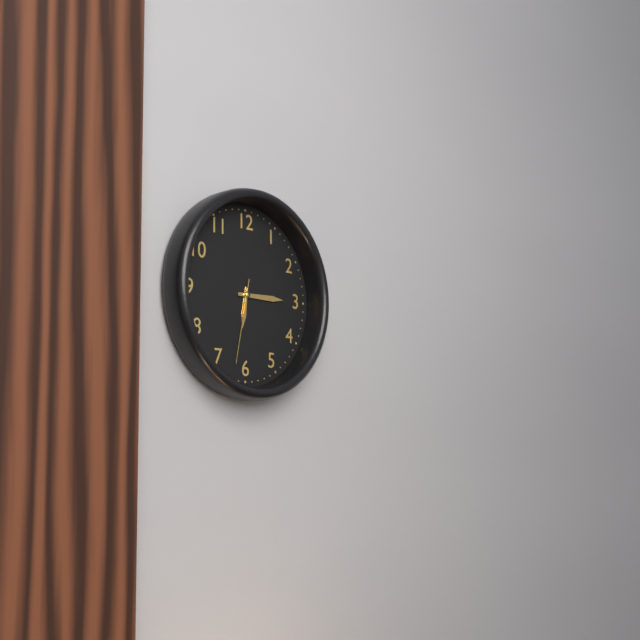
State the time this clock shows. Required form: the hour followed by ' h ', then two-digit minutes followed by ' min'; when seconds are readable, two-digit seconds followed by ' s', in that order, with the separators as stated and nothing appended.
6 h 15 min 32 s
